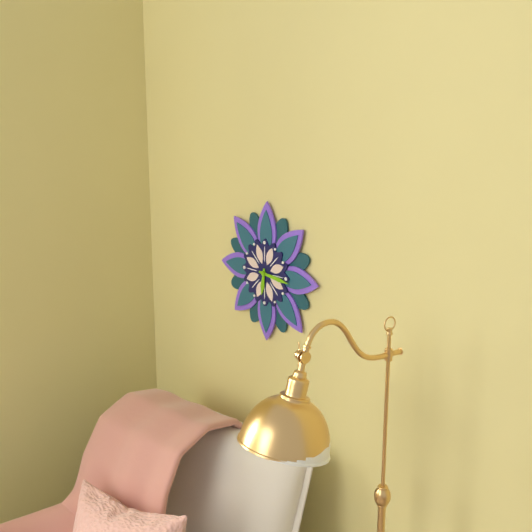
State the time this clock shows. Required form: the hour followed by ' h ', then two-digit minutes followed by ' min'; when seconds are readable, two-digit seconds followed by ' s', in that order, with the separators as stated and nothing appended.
6 h 16 min
